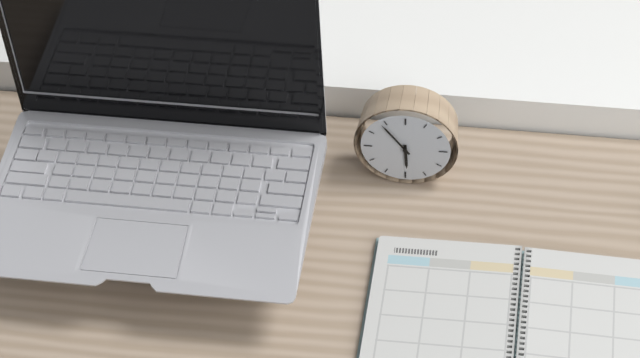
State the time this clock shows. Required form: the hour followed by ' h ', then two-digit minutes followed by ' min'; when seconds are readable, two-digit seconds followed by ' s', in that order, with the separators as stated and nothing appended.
5 h 54 min
